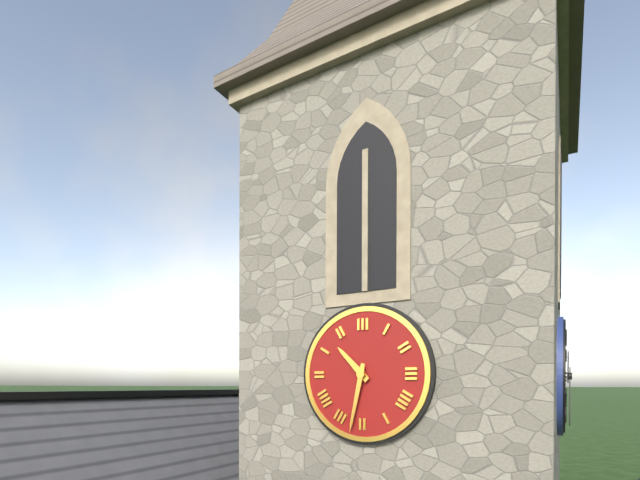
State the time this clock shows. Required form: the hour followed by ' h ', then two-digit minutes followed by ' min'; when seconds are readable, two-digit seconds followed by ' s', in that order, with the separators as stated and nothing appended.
10 h 32 min
